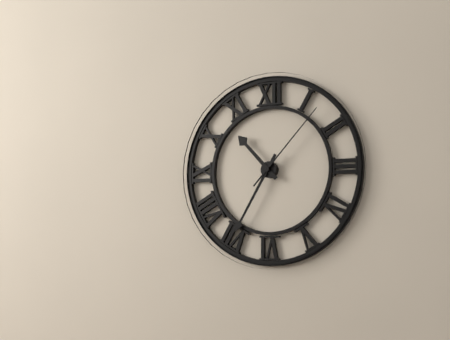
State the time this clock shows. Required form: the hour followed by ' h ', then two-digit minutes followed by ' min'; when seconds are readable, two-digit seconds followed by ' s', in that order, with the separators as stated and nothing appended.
10 h 35 min 07 s
